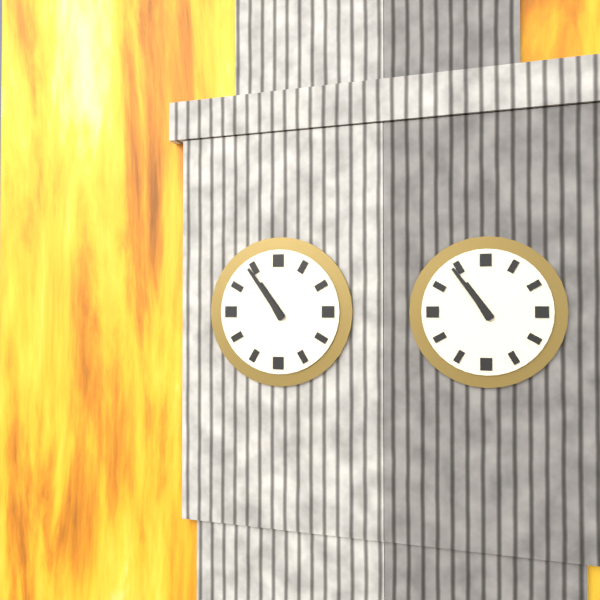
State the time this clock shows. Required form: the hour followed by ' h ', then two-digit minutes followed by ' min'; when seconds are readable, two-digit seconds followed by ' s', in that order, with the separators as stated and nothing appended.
10 h 54 min
